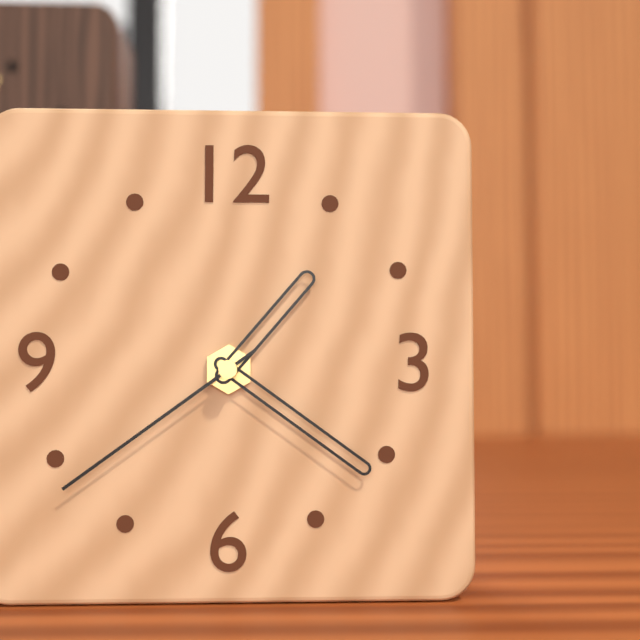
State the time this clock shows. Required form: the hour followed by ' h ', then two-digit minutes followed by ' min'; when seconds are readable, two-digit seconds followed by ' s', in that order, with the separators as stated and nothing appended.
1 h 21 min 39 s
